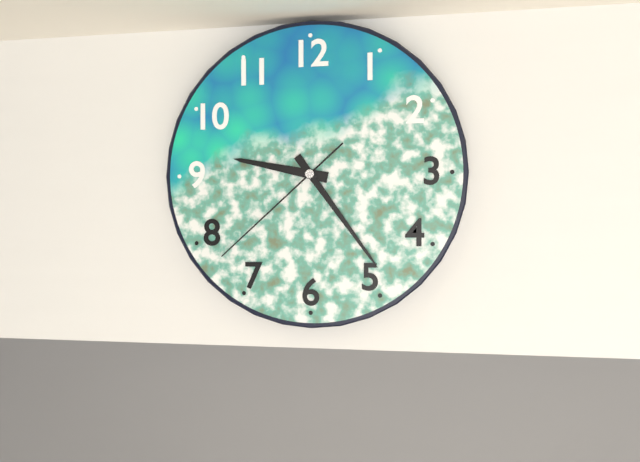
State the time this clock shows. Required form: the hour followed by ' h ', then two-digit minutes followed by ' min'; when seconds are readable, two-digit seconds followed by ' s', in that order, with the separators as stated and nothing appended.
9 h 24 min 38 s
